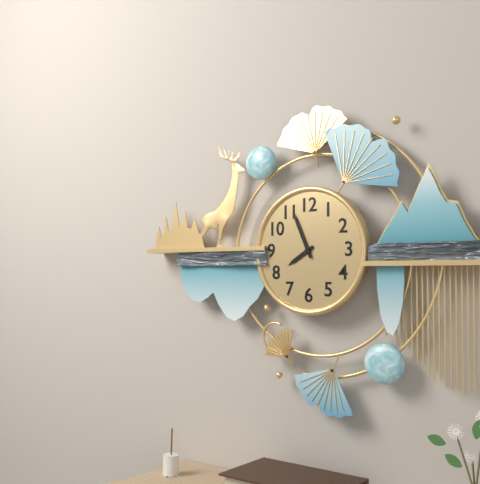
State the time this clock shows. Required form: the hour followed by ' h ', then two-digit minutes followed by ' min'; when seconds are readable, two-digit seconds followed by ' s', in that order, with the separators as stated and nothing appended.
7 h 56 min
